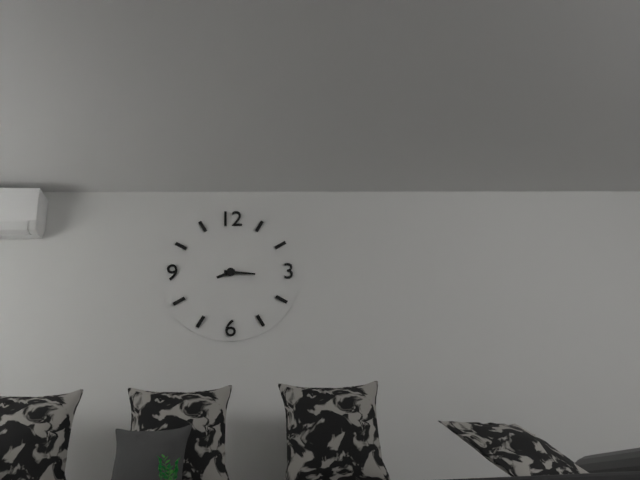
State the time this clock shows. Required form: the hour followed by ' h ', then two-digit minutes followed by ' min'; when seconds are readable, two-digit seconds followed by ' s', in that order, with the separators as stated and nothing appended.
8 h 16 min
